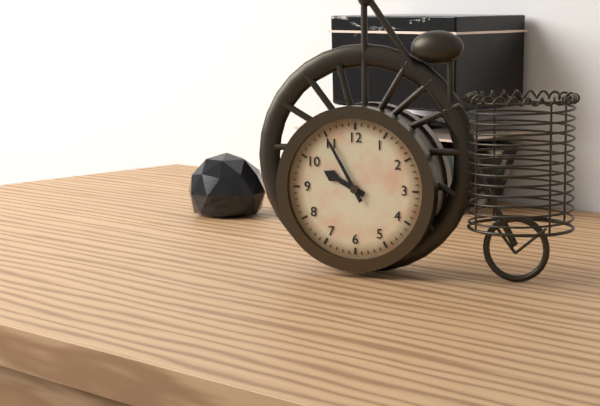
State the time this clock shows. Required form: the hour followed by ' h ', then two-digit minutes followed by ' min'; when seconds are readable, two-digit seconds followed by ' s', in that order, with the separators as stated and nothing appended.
9 h 55 min
